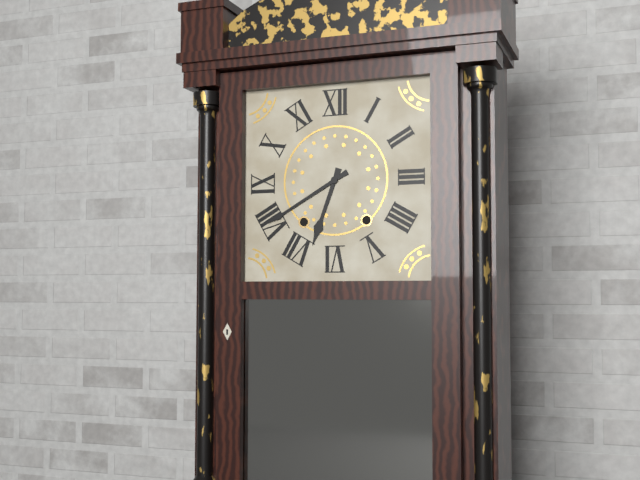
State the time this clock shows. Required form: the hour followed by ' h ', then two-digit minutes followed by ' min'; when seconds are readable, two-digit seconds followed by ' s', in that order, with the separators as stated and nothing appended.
6 h 40 min
